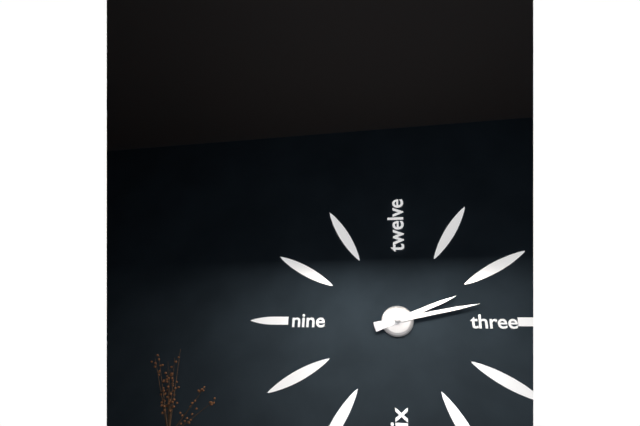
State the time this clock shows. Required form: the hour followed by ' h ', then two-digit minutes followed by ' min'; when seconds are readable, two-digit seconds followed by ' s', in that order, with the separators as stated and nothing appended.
2 h 13 min
